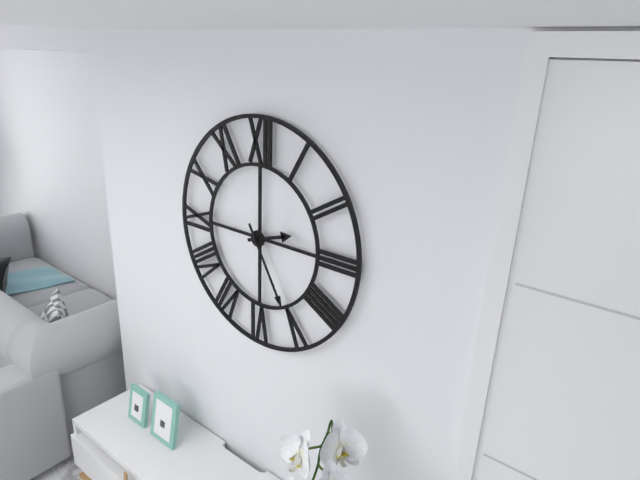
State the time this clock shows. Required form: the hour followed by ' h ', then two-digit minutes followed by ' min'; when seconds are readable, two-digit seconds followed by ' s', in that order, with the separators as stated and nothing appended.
2 h 25 min
